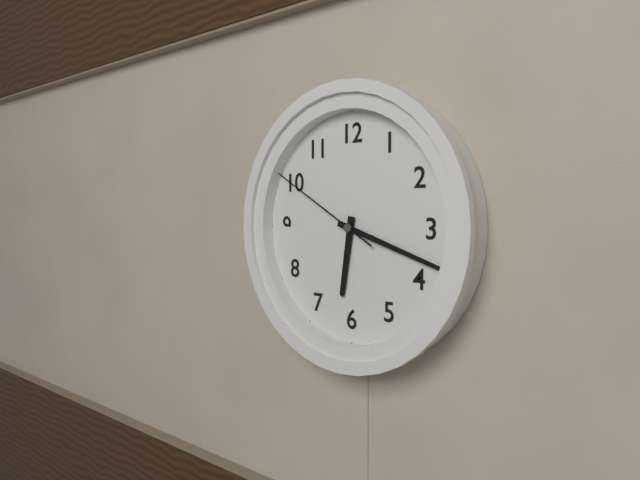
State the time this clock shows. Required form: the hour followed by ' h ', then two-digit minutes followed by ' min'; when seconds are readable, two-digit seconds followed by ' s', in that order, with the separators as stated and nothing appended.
6 h 18 min 50 s
